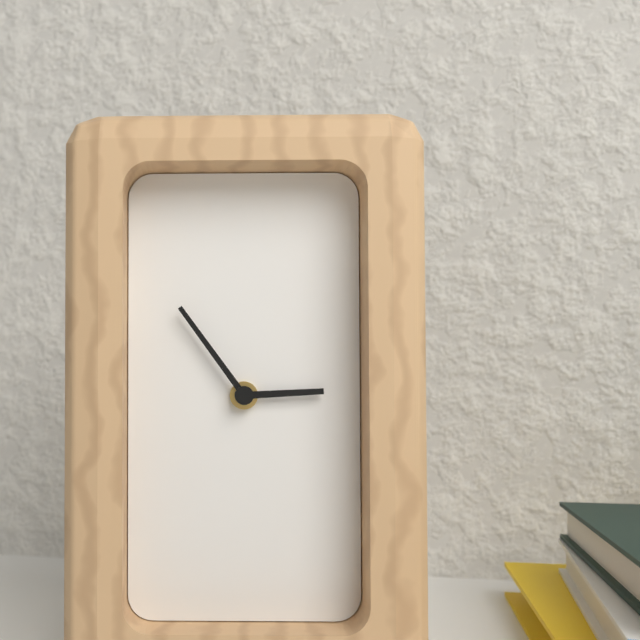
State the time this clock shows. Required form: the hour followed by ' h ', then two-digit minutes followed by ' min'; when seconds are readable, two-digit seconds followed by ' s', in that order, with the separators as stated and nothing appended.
2 h 54 min
